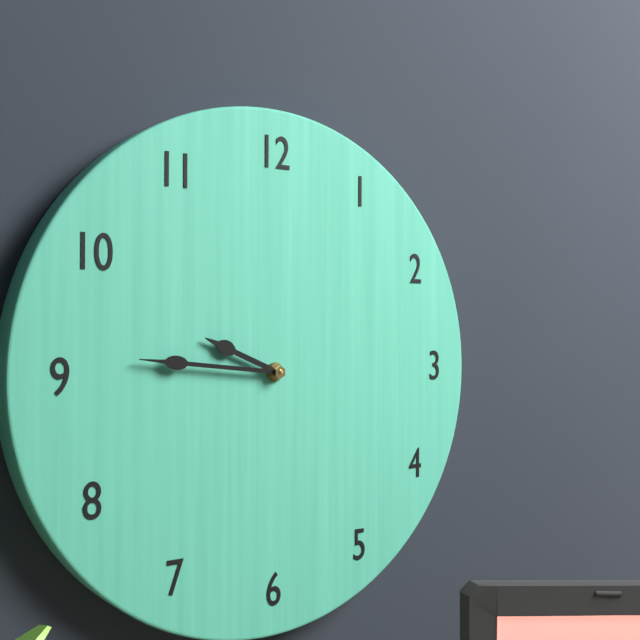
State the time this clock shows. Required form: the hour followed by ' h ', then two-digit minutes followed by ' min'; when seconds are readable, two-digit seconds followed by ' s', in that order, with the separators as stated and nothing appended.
9 h 46 min
